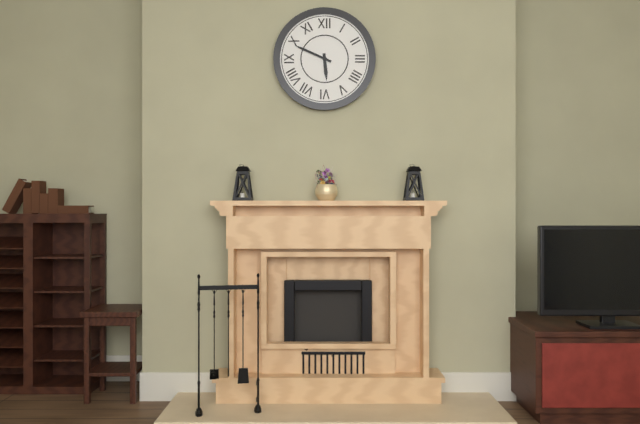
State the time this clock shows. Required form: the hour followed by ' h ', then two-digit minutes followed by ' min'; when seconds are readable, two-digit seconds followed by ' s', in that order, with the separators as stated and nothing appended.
5 h 49 min
